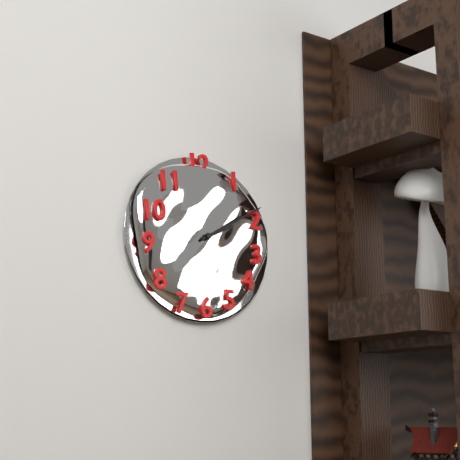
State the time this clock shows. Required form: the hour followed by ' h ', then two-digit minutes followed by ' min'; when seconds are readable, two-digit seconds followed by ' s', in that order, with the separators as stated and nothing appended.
2 h 10 min
